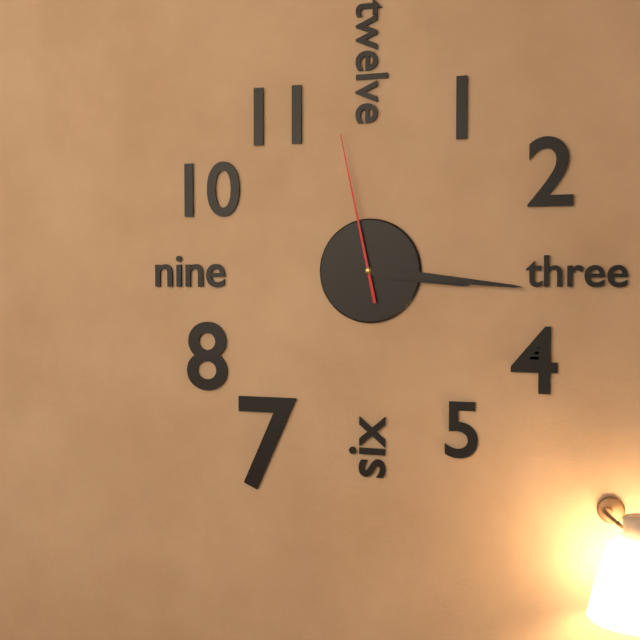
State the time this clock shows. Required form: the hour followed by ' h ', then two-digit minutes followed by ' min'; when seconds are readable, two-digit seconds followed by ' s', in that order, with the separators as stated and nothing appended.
3 h 16 min 58 s
